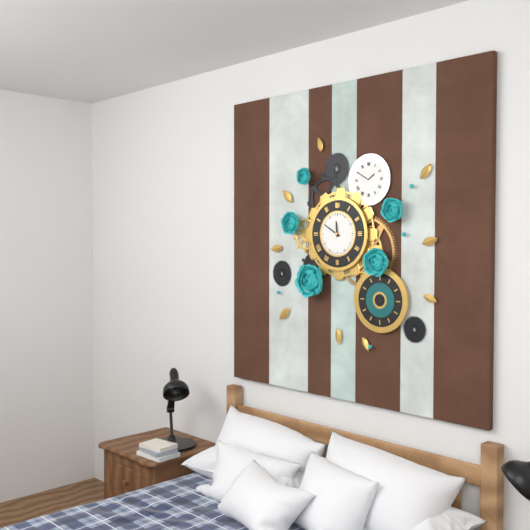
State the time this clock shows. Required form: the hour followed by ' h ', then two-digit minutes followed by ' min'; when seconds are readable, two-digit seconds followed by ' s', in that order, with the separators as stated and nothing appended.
11 h 50 min
